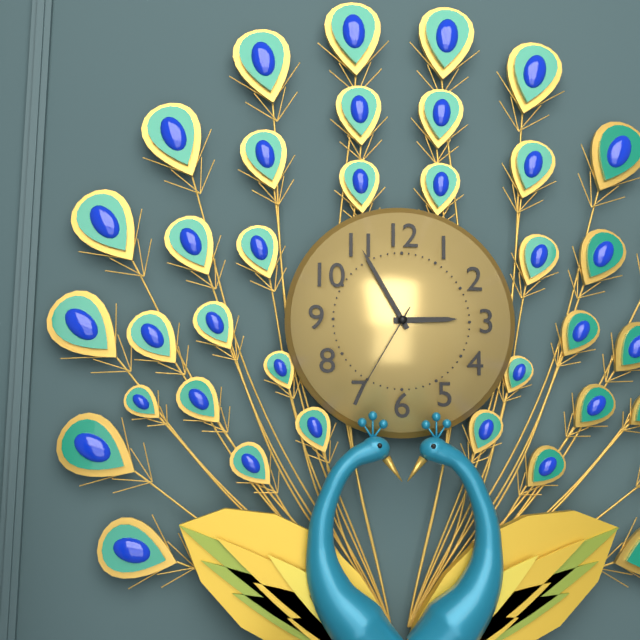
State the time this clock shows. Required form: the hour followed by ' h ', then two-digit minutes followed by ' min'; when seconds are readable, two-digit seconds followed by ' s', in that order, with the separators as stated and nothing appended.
2 h 55 min 35 s
